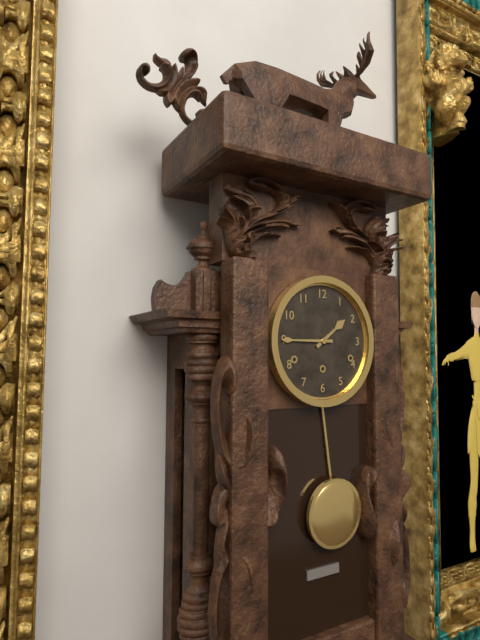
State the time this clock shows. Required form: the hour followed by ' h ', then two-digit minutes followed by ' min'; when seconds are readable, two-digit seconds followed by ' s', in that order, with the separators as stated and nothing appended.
1 h 45 min
